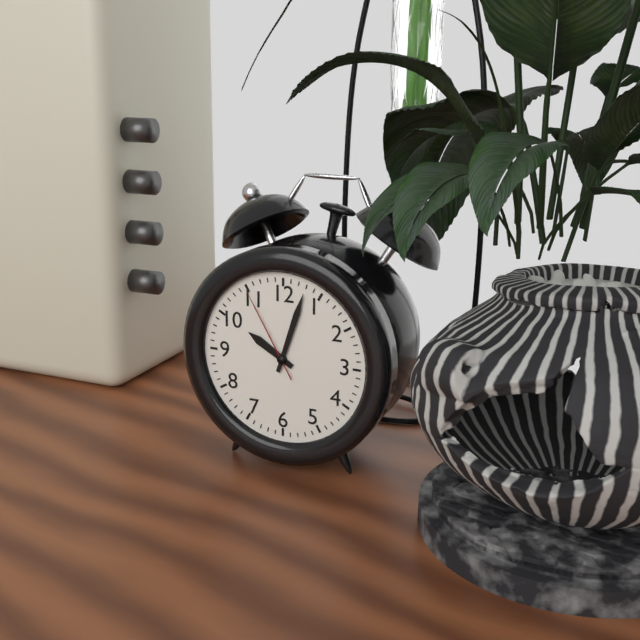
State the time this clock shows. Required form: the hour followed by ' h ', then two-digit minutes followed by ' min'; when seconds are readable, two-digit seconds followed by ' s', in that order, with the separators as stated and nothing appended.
10 h 03 min 55 s
